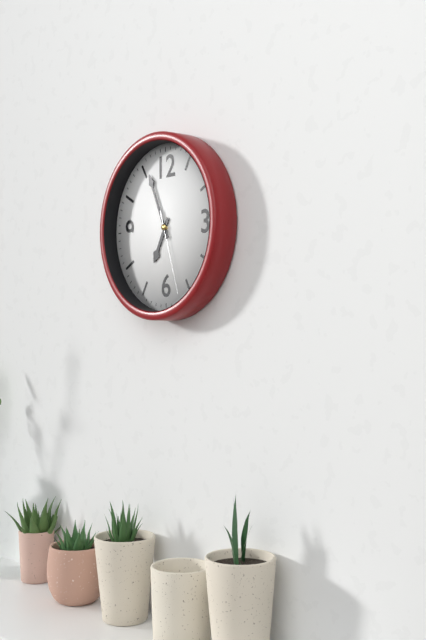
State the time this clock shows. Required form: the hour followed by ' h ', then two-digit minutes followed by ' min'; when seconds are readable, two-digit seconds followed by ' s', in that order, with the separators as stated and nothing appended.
6 h 56 min 27 s
